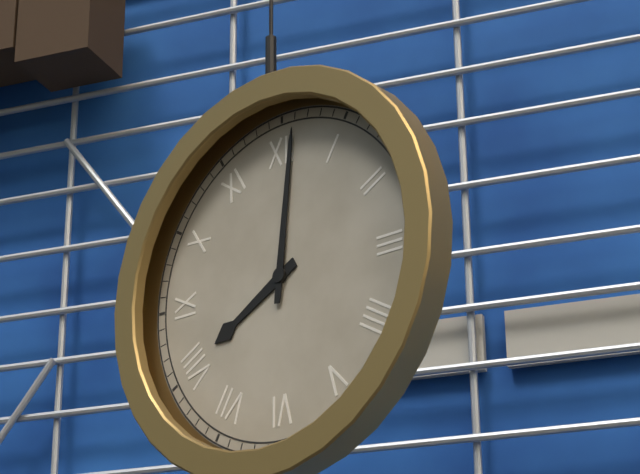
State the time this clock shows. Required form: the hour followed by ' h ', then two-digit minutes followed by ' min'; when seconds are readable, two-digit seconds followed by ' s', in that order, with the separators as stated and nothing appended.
8 h 01 min
